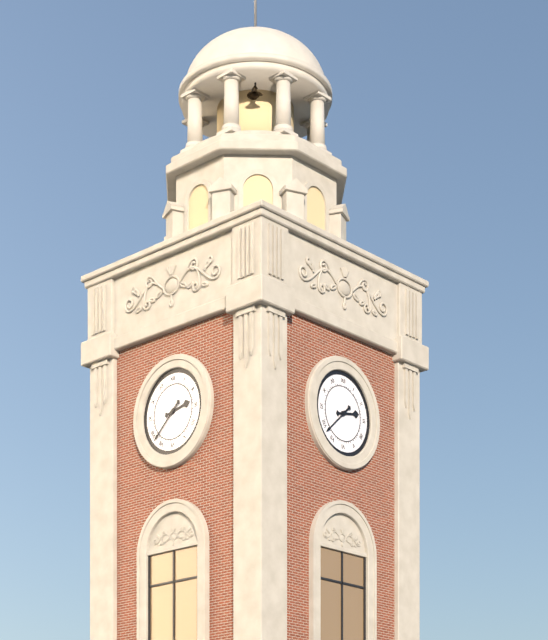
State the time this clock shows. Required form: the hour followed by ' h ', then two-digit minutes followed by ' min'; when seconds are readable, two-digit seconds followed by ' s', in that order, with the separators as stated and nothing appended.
2 h 38 min
